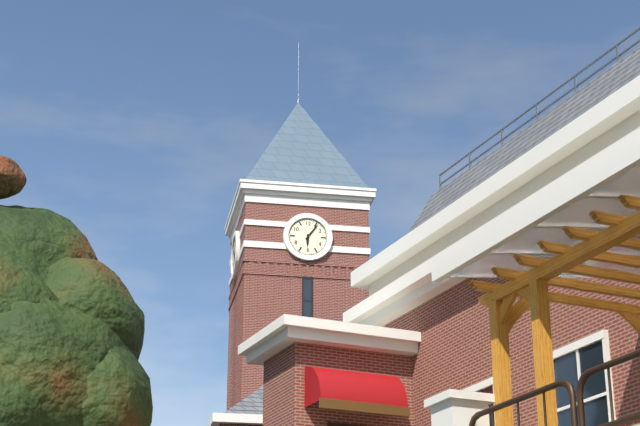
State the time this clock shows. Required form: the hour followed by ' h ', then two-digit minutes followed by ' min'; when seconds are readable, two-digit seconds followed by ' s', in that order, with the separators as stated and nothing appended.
6 h 06 min
